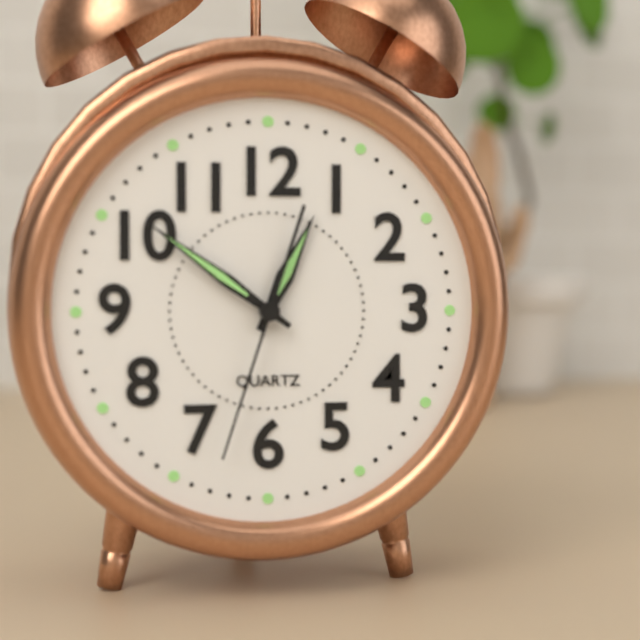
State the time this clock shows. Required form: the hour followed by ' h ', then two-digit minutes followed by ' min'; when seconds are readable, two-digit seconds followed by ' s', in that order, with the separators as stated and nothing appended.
12 h 51 min 33 s
